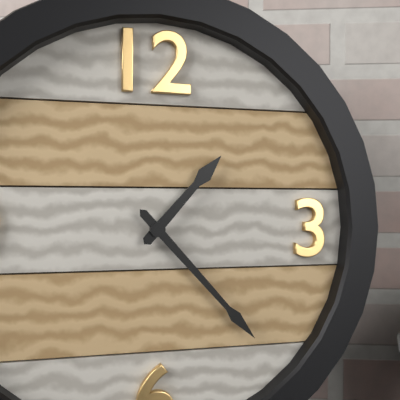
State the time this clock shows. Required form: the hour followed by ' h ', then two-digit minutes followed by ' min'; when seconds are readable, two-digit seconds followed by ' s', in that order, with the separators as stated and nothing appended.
1 h 23 min
